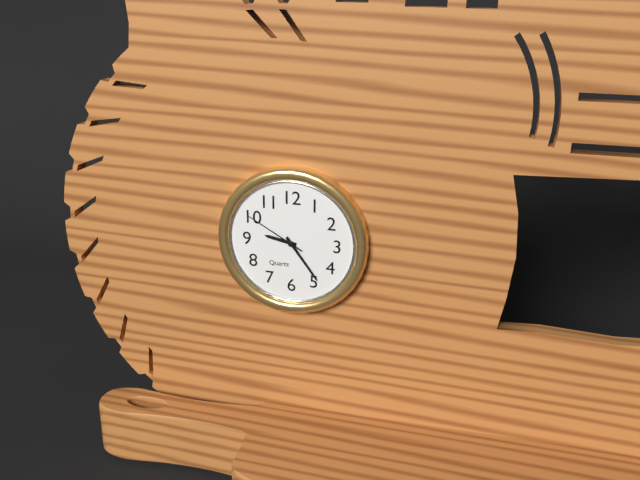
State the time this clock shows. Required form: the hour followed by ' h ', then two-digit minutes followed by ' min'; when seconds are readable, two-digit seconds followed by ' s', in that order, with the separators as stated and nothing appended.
9 h 24 min 50 s
